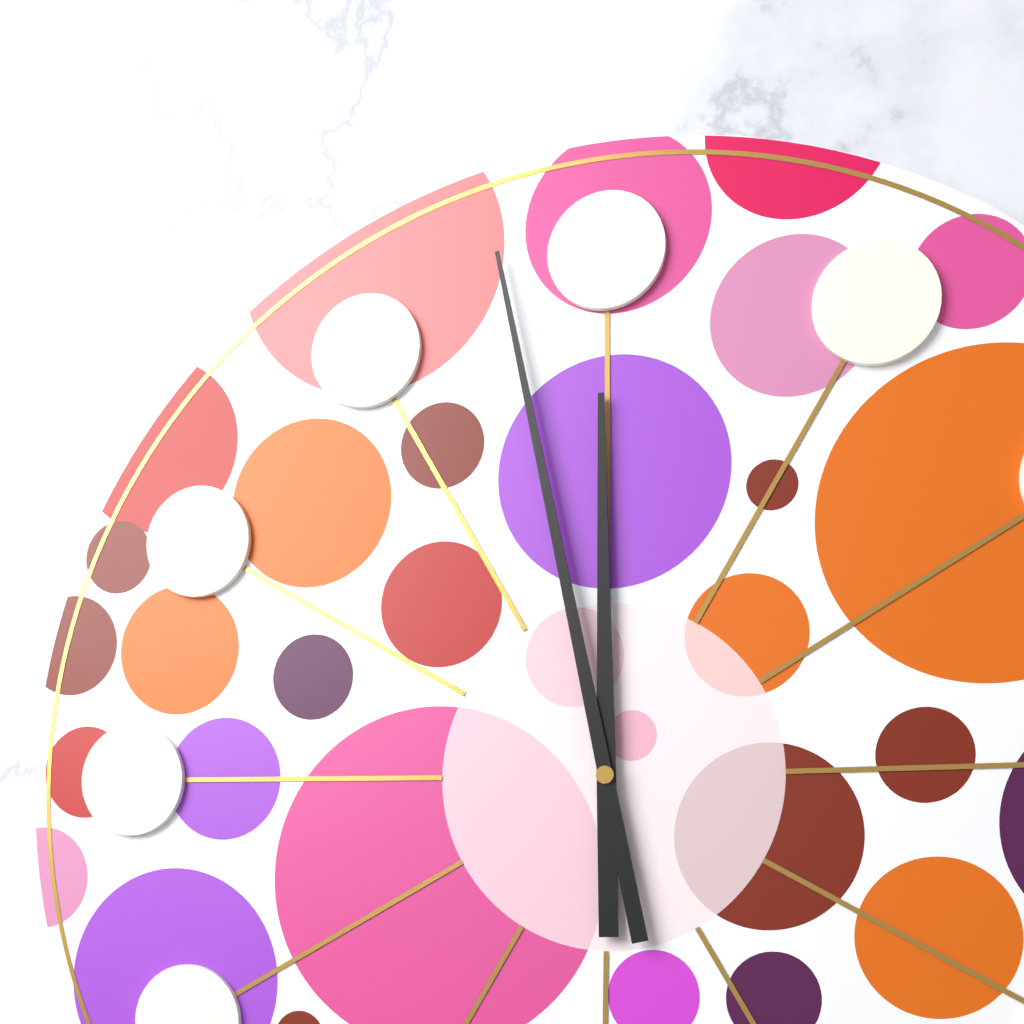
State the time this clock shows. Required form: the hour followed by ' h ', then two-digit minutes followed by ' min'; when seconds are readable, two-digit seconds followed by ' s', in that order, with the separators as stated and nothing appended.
11 h 58 min
